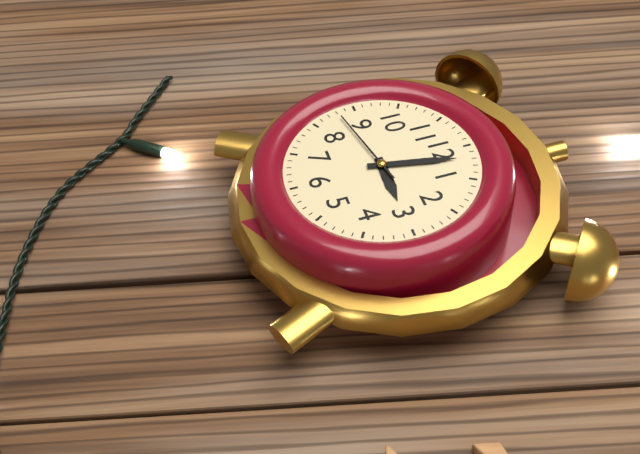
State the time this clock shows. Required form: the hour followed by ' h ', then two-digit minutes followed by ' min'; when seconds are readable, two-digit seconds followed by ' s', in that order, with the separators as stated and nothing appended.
3 h 02 min 43 s
